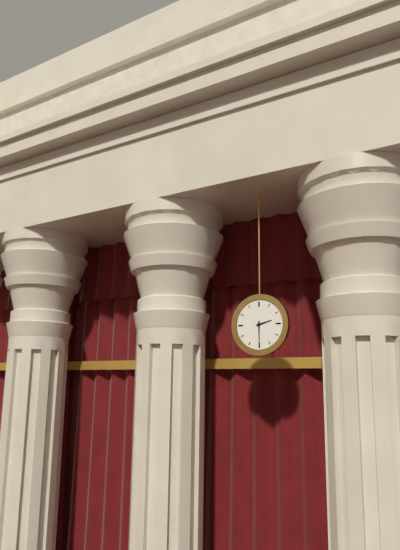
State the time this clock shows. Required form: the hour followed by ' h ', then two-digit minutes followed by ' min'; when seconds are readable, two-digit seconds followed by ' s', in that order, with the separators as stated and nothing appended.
2 h 30 min
